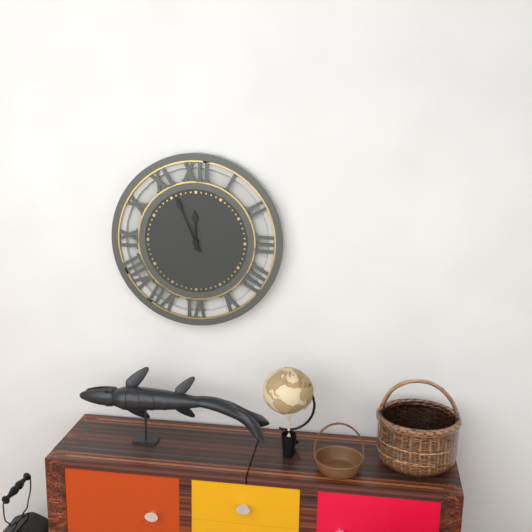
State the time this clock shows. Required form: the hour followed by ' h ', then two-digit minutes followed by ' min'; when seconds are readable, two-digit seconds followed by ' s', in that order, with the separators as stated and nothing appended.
11 h 56 min
